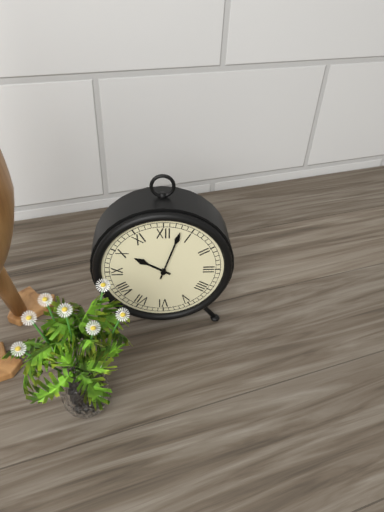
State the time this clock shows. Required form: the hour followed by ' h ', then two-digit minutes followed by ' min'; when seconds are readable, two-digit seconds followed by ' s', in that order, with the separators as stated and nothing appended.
10 h 03 min
